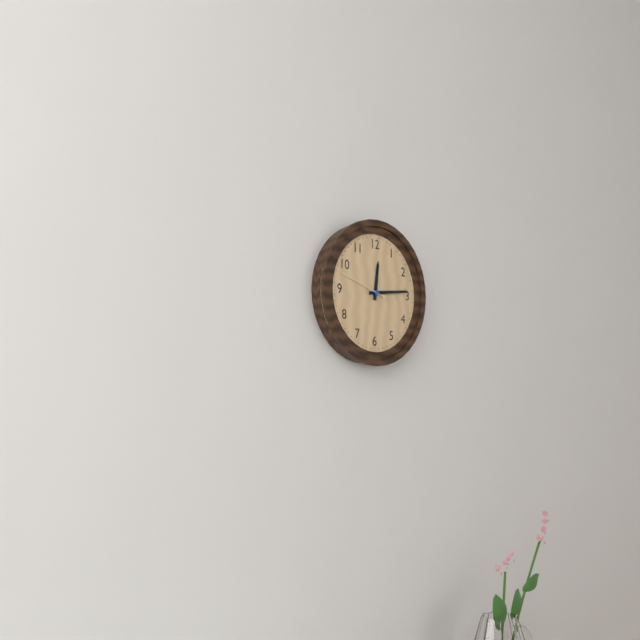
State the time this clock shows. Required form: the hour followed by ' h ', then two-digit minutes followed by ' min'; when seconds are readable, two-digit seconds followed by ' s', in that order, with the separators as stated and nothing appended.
12 h 14 min
